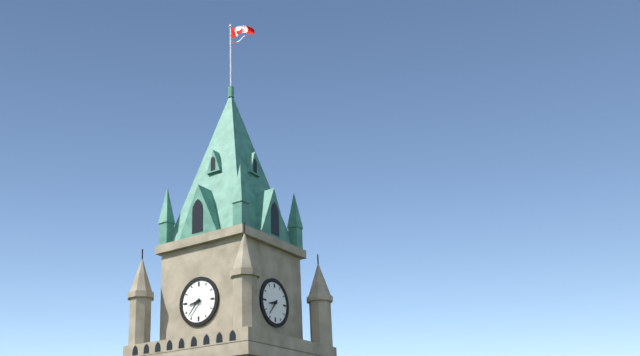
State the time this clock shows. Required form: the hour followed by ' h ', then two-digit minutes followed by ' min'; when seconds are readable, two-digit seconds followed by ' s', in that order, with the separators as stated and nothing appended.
8 h 37 min
